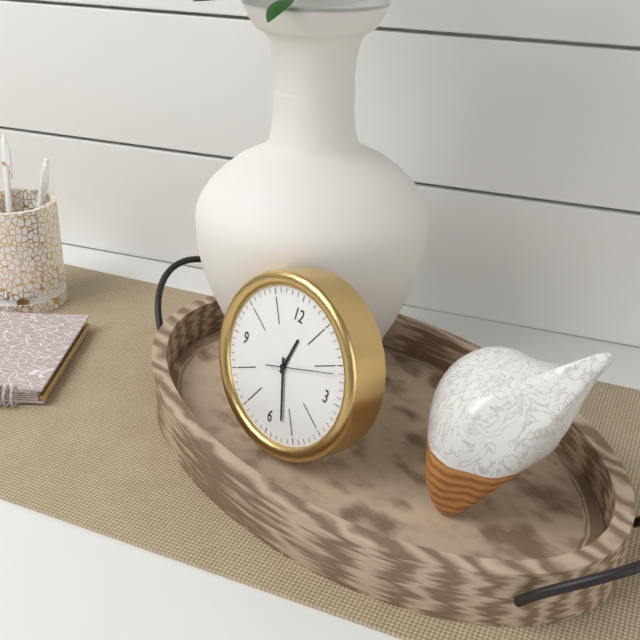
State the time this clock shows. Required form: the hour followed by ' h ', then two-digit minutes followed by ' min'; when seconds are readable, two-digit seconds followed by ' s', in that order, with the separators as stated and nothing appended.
12 h 27 min 11 s
